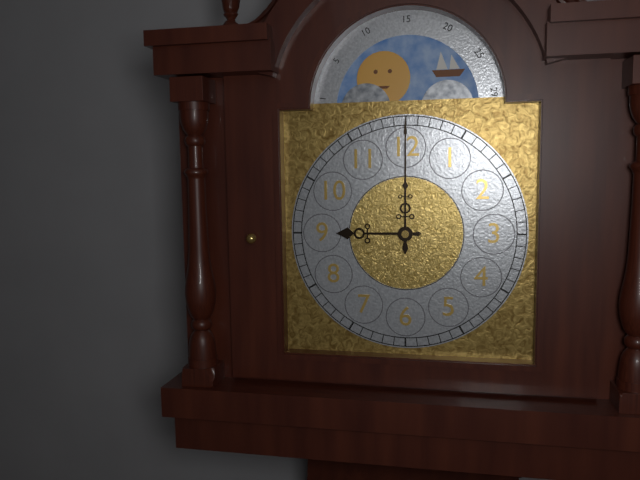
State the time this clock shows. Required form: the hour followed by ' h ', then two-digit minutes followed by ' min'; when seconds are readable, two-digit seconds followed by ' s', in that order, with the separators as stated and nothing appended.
9 h 00 min
